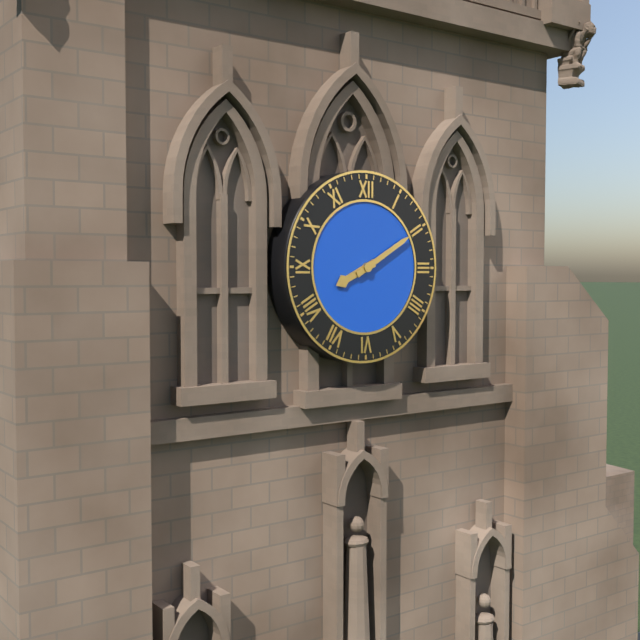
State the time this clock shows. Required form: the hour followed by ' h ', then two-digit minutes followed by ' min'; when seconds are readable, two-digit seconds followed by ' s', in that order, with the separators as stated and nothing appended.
8 h 10 min
